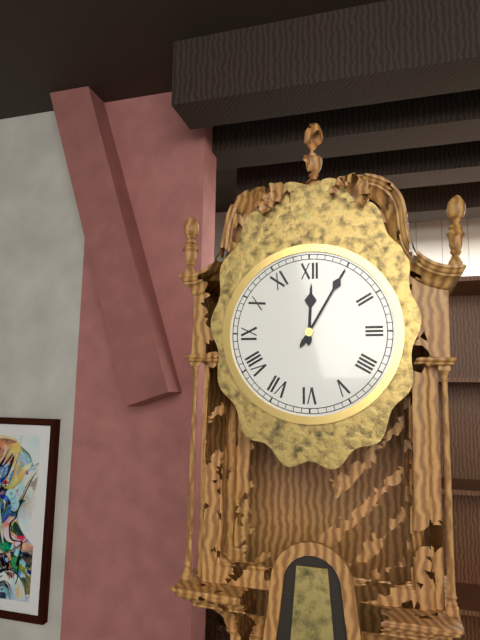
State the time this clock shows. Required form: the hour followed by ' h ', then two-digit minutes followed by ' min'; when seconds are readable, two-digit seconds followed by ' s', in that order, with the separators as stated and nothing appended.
12 h 05 min
